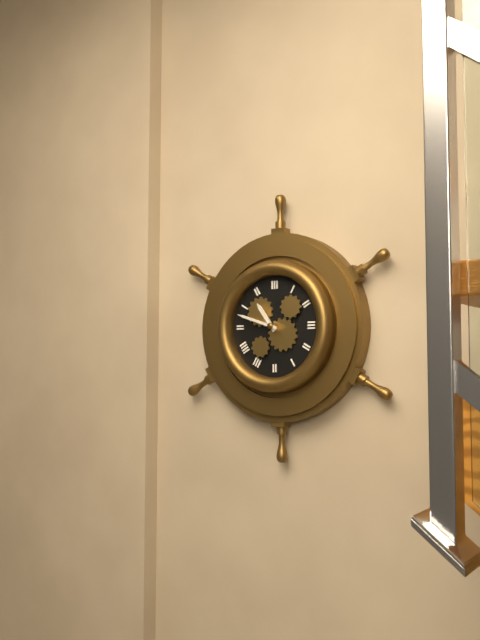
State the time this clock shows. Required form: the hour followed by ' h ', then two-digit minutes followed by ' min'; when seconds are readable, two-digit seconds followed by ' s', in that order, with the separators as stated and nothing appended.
10 h 48 min
